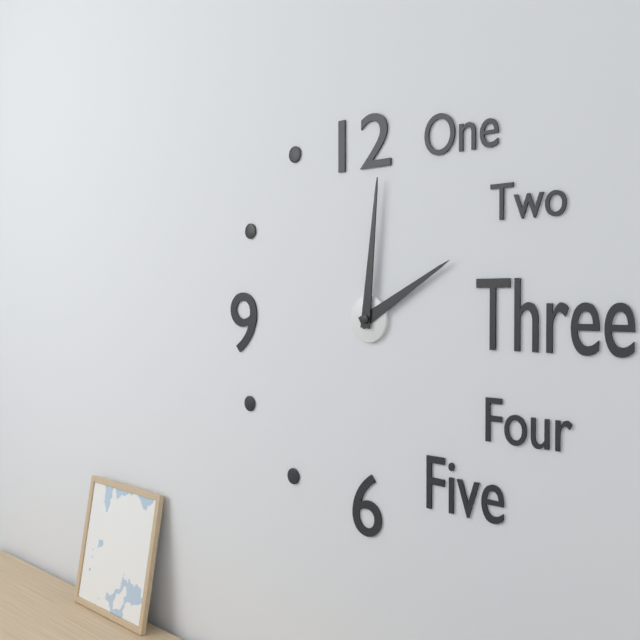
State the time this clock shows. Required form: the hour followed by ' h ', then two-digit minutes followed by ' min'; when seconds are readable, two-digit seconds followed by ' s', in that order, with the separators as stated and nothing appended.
2 h 01 min
